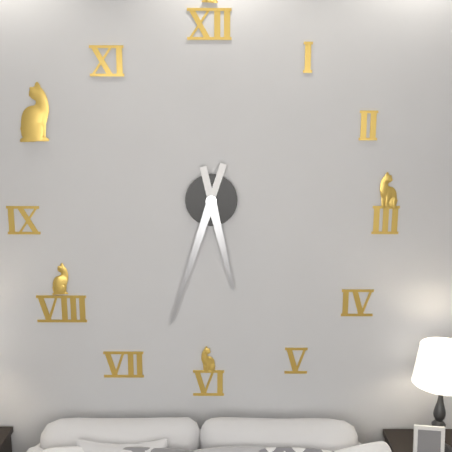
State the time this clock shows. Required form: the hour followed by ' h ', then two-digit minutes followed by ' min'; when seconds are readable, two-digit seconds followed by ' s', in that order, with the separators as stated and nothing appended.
5 h 33 min
